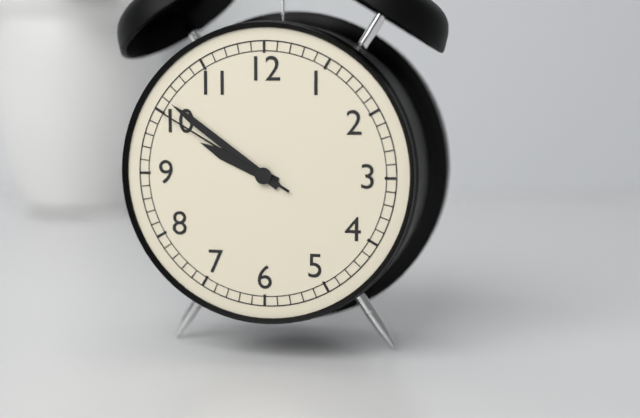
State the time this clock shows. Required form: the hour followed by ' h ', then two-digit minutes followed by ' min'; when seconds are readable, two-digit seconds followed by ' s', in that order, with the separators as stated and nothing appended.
9 h 51 min 50 s
